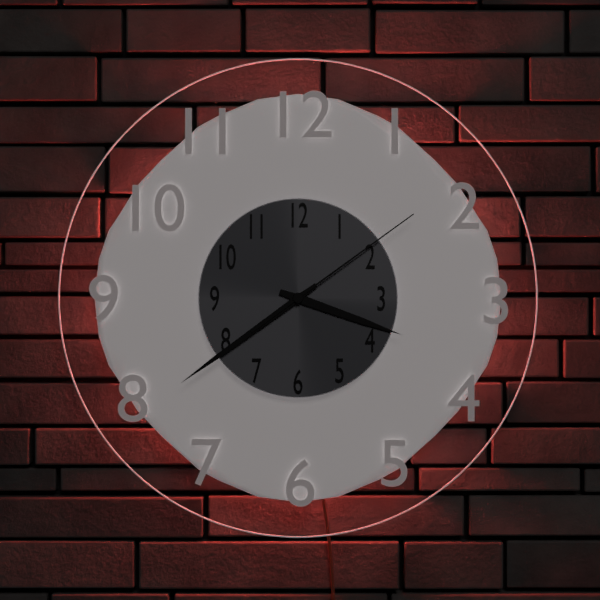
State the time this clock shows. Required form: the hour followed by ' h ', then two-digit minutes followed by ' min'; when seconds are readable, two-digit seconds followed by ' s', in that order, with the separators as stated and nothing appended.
3 h 39 min 09 s
